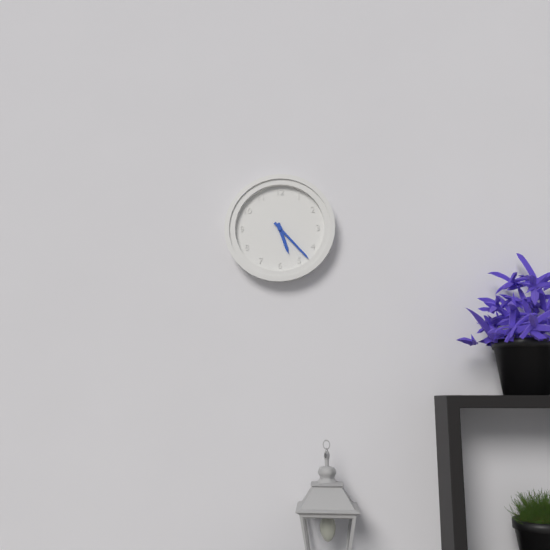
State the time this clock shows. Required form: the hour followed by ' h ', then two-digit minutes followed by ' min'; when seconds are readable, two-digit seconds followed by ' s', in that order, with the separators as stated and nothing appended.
5 h 23 min
